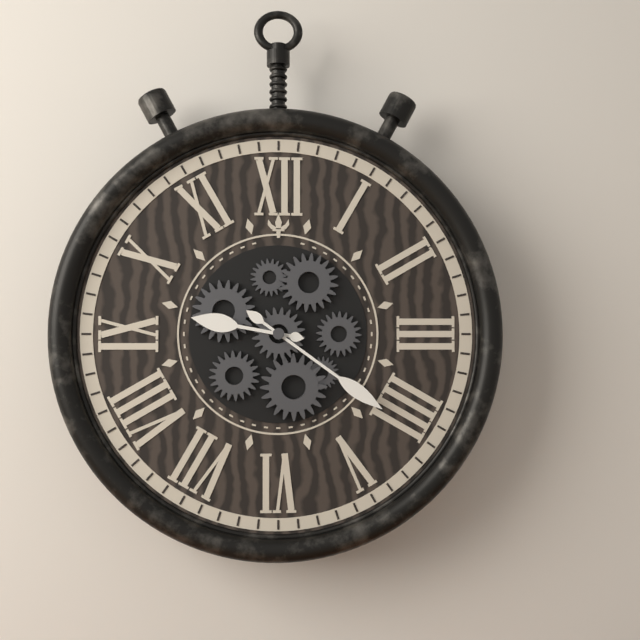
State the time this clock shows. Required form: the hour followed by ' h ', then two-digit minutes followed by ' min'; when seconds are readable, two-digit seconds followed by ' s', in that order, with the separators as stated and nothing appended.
9 h 21 min
